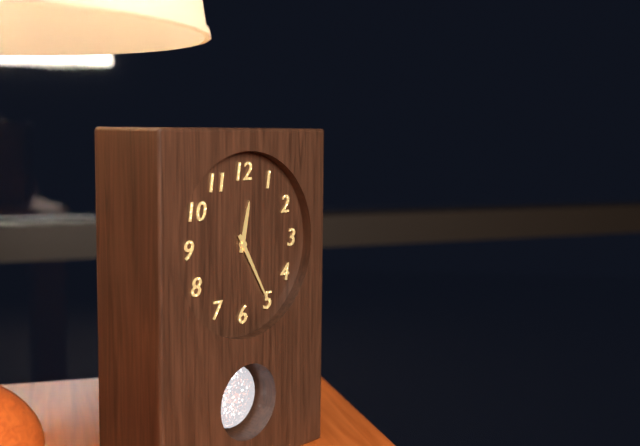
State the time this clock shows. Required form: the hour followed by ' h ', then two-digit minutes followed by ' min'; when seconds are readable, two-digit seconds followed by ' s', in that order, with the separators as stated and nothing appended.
12 h 25 min
